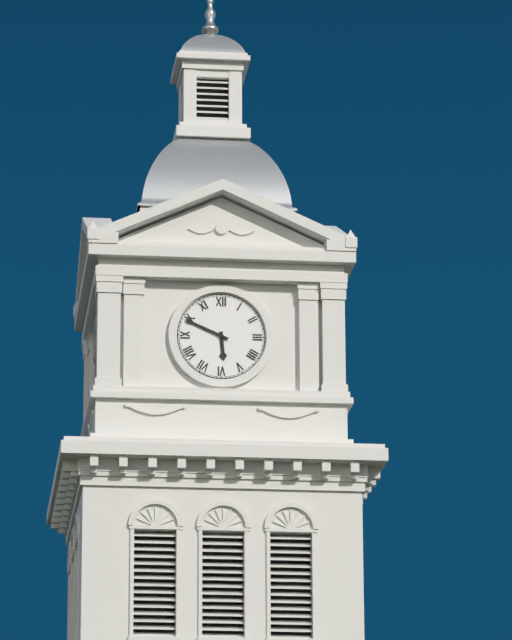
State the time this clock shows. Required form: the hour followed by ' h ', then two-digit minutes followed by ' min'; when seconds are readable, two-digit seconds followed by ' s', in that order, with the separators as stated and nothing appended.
5 h 49 min
